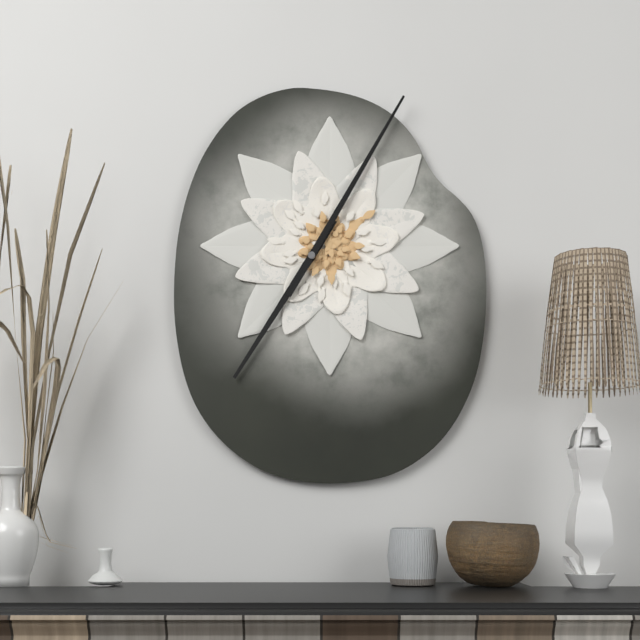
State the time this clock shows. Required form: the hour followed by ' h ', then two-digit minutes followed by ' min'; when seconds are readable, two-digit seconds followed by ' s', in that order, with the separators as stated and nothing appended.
7 h 05 min
